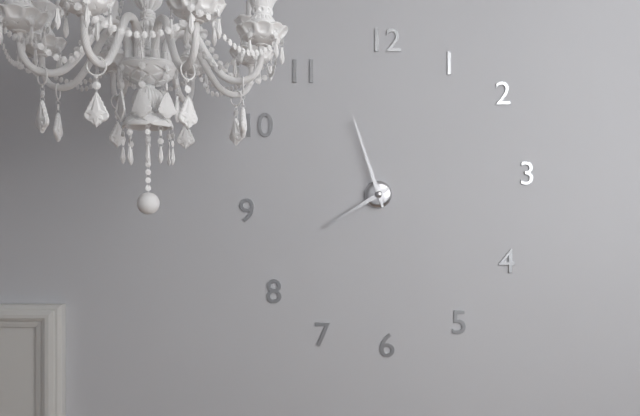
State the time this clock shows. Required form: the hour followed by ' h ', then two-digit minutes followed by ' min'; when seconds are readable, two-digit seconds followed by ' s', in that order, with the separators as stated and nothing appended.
7 h 57 min
